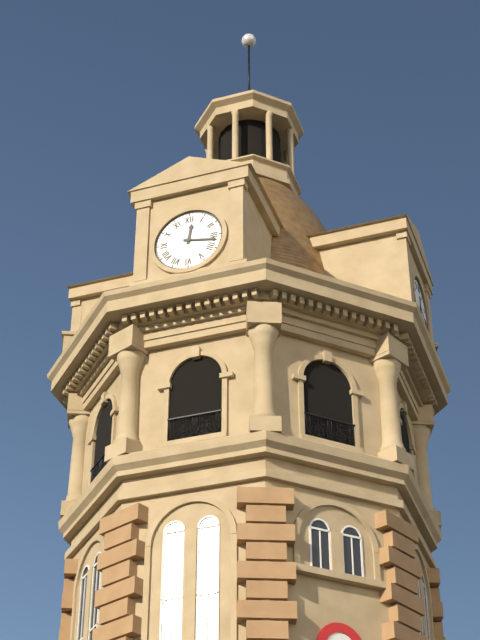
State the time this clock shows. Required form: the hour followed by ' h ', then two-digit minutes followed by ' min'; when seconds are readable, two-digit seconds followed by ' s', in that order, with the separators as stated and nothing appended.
12 h 17 min
